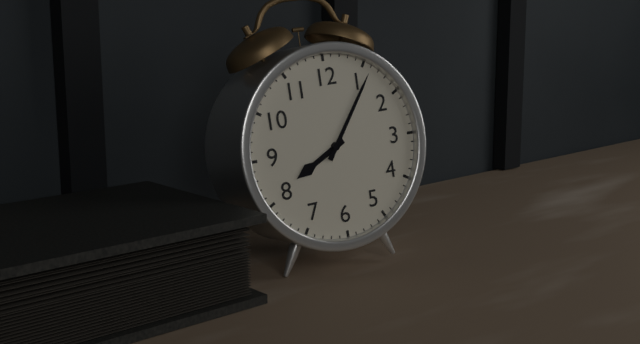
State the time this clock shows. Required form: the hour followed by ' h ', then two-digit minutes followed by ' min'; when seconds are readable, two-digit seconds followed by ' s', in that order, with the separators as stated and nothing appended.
8 h 06 min
